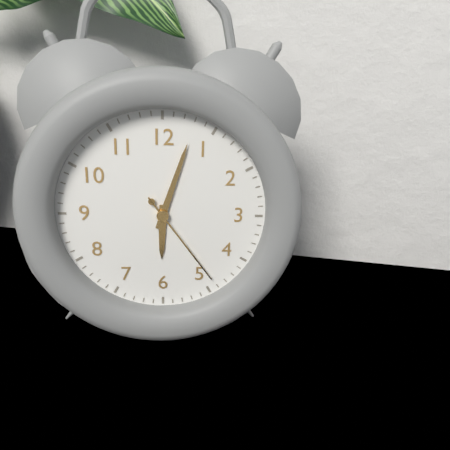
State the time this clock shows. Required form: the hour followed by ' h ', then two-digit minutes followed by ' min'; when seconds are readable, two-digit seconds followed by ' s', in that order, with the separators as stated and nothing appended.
6 h 03 min 24 s
